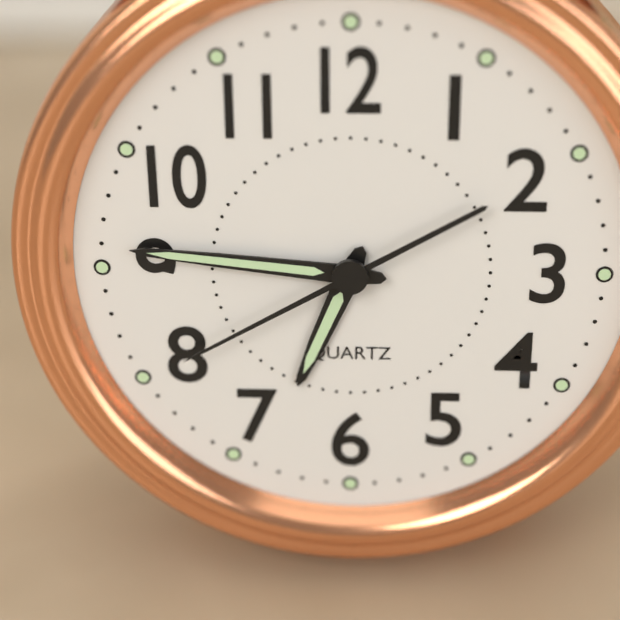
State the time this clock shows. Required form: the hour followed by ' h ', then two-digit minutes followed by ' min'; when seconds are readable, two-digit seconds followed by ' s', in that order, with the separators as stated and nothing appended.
6 h 46 min 40 s
